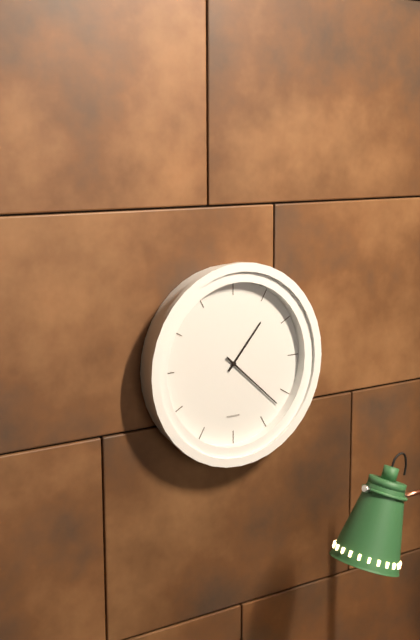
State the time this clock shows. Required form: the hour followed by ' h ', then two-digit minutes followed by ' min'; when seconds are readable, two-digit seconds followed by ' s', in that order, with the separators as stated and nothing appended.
1 h 22 min
